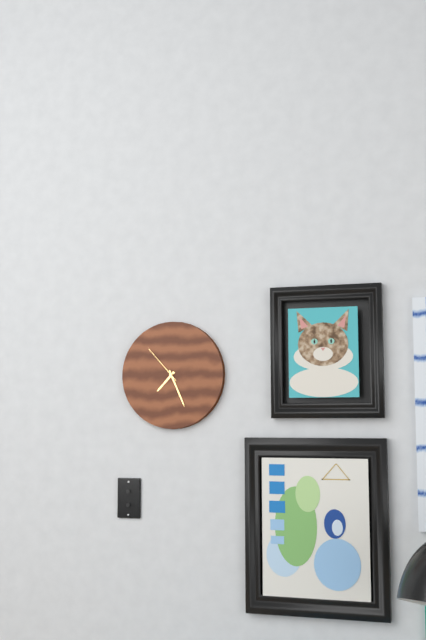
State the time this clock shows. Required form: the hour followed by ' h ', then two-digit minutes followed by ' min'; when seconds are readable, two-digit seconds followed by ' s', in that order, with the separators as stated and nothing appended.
7 h 26 min
